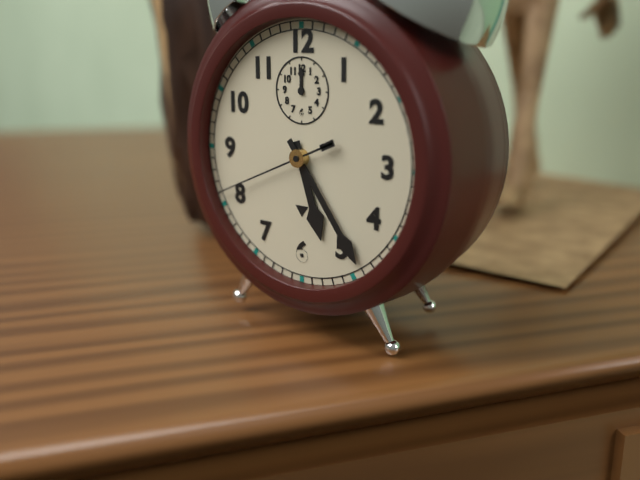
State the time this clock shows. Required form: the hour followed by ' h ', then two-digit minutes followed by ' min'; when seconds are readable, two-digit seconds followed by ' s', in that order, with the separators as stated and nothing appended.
5 h 24 min 41 s
